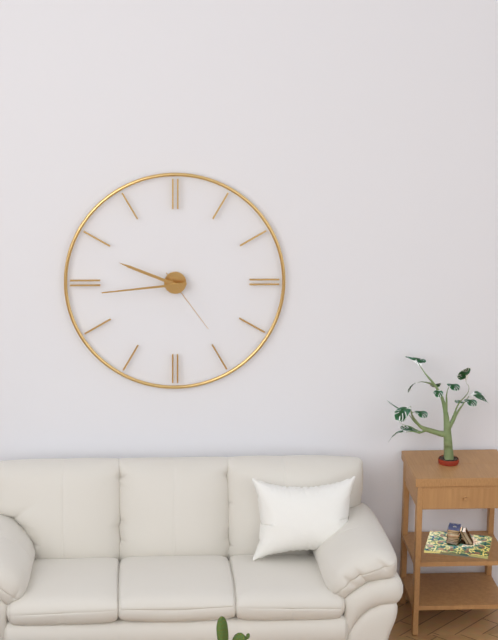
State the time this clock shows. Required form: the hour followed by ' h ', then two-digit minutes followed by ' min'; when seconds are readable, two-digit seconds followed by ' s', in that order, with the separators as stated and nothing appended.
9 h 44 min 24 s
